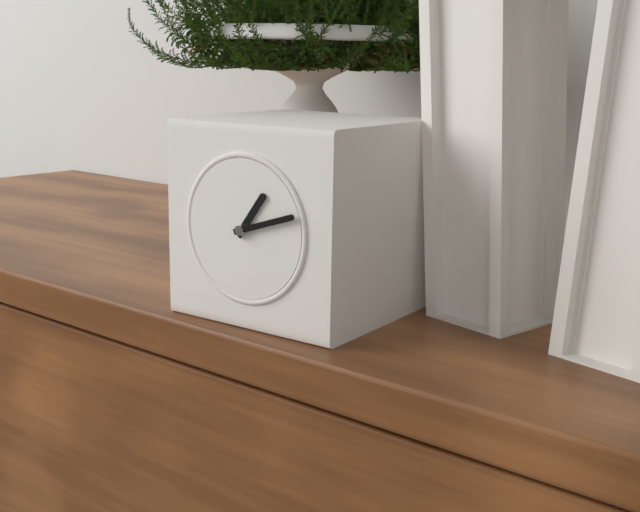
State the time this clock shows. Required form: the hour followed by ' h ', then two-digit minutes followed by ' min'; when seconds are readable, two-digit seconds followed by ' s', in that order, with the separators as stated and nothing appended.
1 h 12 min
